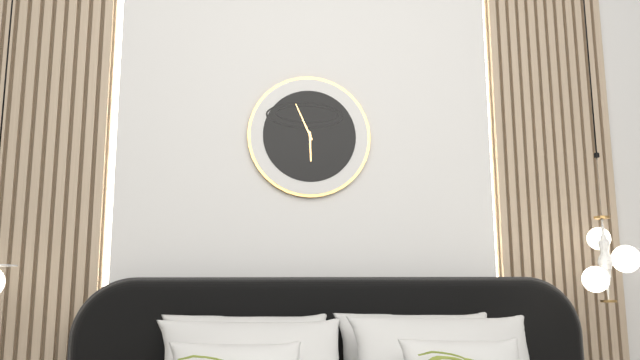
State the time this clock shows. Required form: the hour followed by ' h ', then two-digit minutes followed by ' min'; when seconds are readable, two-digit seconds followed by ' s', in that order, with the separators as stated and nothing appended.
5 h 56 min
